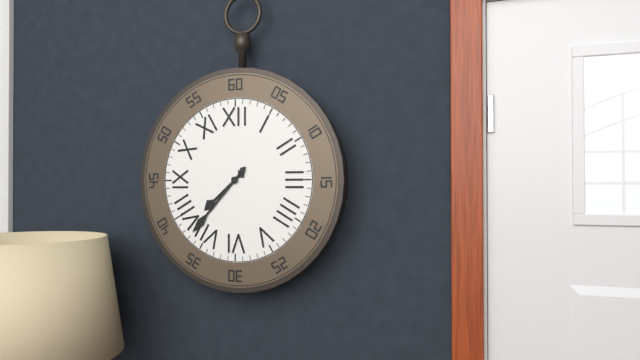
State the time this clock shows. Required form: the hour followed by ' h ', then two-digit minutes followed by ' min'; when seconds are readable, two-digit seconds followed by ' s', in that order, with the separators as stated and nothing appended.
7 h 37 min
